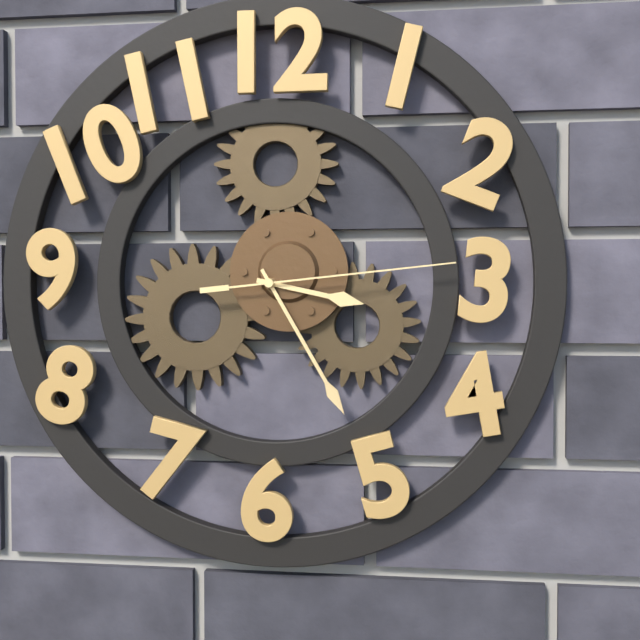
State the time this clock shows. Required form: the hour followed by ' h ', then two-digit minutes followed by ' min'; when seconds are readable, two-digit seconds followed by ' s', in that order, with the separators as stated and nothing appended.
3 h 25 min 14 s
